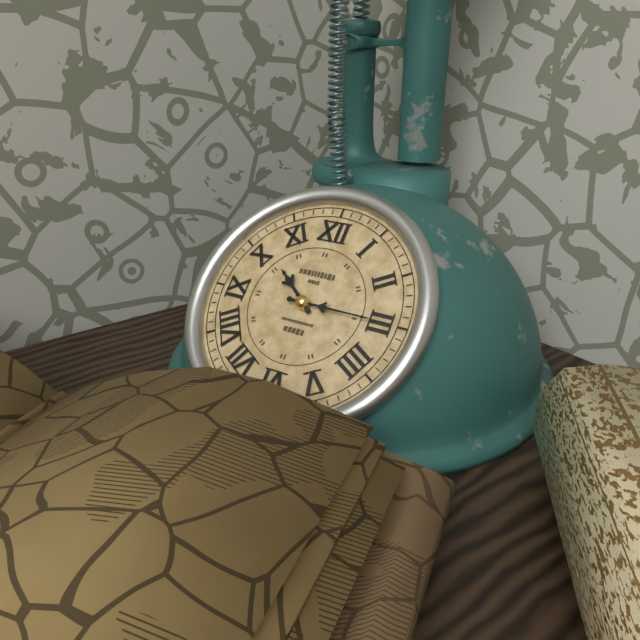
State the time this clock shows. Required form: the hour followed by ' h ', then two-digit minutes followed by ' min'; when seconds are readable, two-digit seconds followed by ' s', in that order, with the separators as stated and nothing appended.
10 h 15 min
